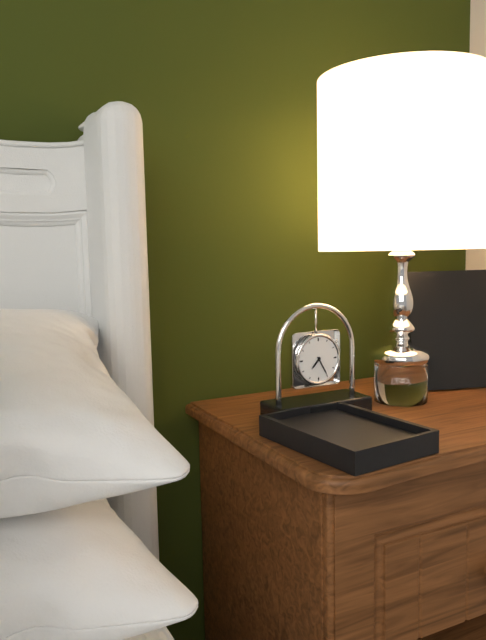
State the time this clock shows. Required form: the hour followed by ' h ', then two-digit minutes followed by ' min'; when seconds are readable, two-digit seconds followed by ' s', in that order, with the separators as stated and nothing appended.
7 h 25 min
